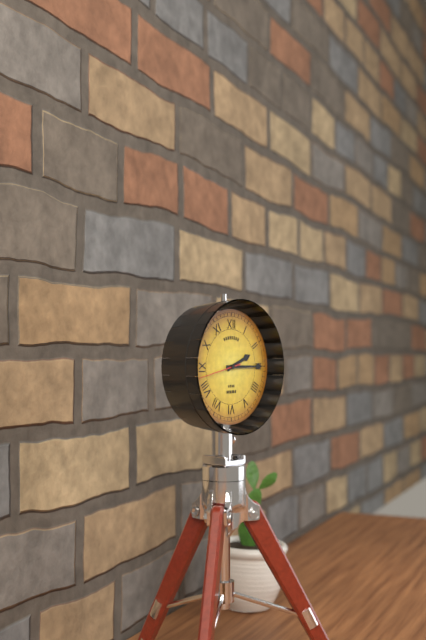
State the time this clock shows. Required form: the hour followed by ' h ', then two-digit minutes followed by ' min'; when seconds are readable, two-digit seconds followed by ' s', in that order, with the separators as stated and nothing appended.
2 h 15 min
